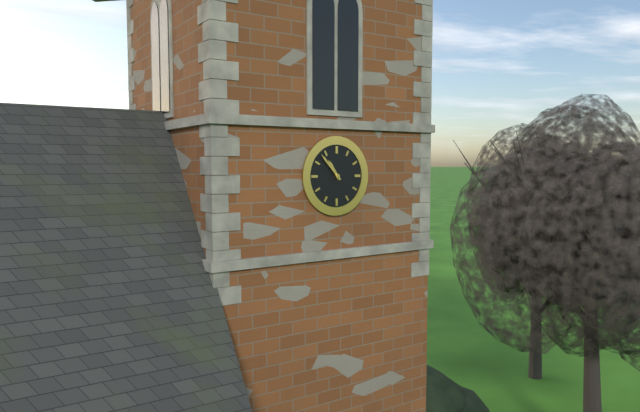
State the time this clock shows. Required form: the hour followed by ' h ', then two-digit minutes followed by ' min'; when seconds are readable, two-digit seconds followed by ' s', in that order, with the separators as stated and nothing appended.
10 h 53 min
